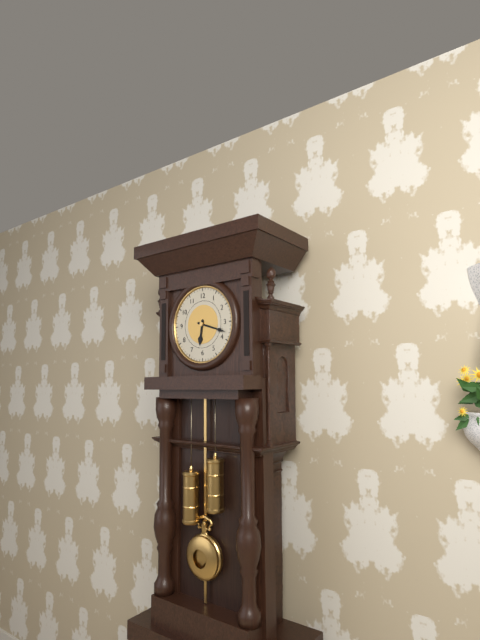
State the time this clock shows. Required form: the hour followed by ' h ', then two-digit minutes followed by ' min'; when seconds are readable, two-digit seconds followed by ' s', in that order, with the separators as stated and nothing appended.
6 h 18 min
